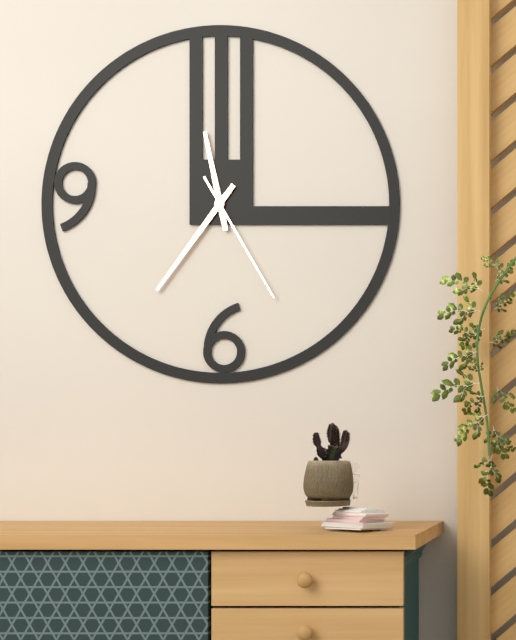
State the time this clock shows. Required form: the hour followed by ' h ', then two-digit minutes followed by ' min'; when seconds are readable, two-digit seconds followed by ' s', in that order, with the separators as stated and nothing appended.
11 h 36 min 25 s
